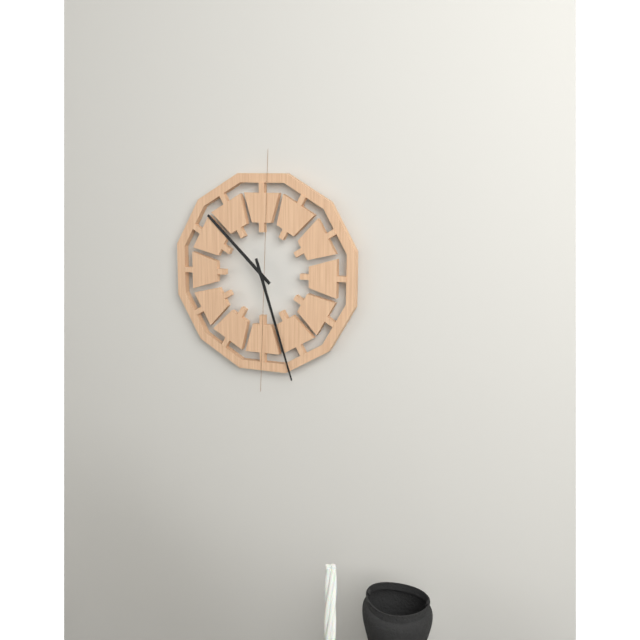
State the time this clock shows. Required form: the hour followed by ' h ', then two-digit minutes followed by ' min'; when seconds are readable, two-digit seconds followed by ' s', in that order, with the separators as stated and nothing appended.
10 h 27 min
